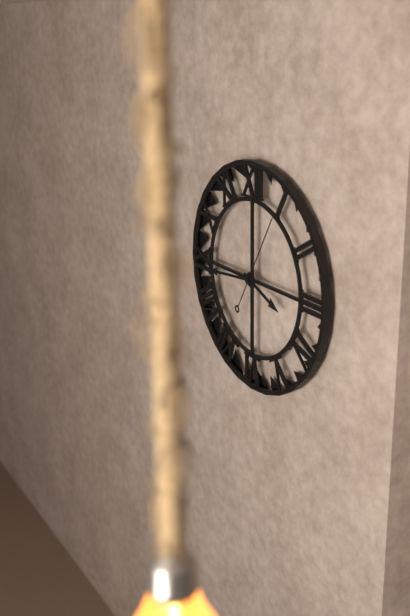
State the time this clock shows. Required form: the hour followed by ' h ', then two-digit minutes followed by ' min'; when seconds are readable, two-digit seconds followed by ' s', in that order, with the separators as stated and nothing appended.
3 h 44 min 05 s
